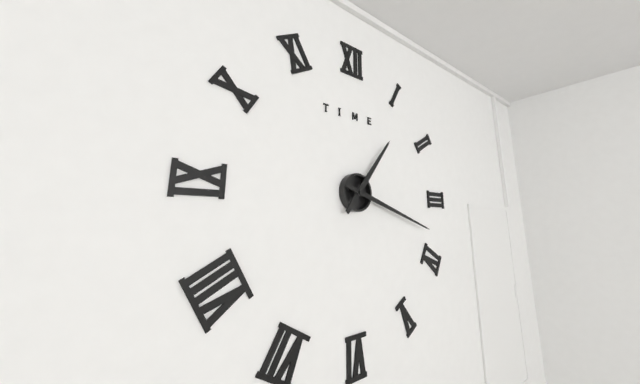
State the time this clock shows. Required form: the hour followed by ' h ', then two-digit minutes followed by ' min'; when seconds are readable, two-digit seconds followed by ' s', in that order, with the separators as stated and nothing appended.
1 h 18 min
